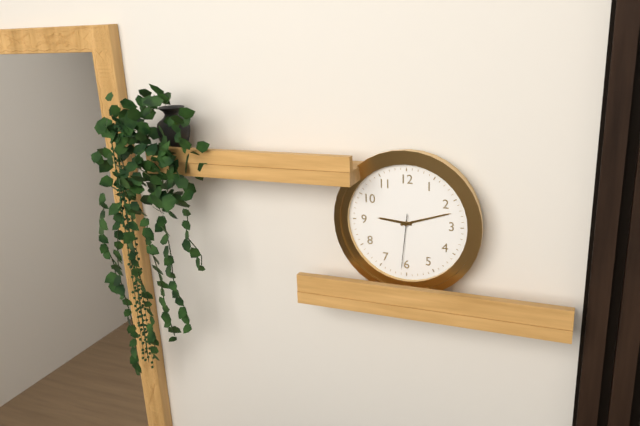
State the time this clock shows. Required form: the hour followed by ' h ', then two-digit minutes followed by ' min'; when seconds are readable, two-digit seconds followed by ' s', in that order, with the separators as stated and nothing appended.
9 h 12 min 31 s
